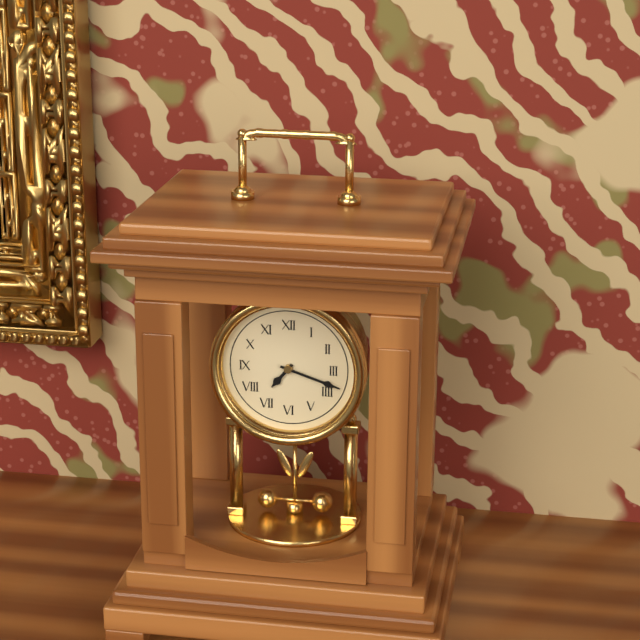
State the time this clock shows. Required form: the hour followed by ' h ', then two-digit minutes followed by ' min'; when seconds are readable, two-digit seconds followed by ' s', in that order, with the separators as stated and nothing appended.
7 h 18 min
